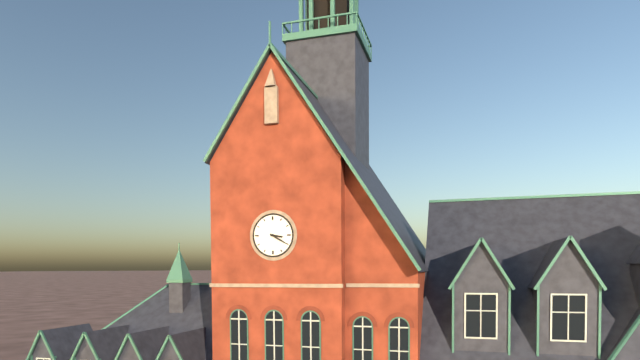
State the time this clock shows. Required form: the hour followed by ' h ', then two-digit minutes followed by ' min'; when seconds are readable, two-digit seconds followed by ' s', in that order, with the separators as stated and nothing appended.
3 h 20 min
